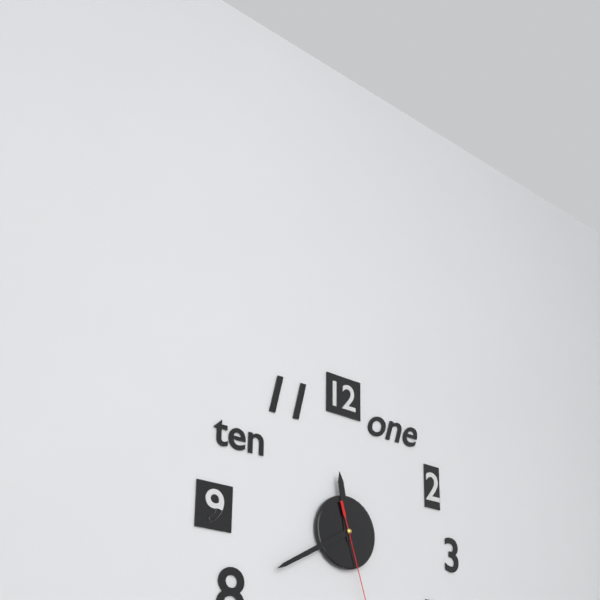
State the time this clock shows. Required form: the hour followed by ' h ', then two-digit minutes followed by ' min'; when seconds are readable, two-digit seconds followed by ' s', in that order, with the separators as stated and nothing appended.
11 h 40 min
